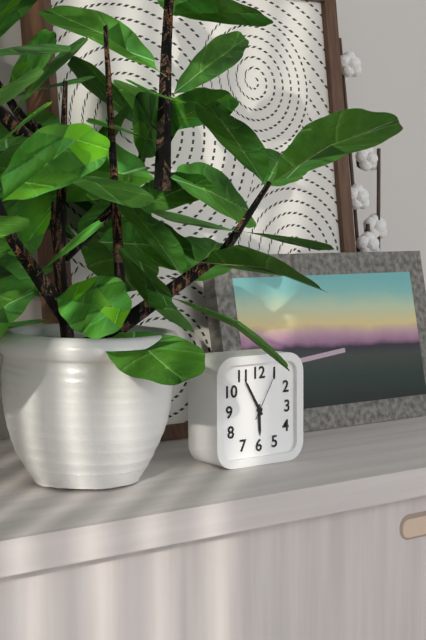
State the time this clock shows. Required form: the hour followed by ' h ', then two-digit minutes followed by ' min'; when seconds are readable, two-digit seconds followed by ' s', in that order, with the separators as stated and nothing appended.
5 h 55 min
